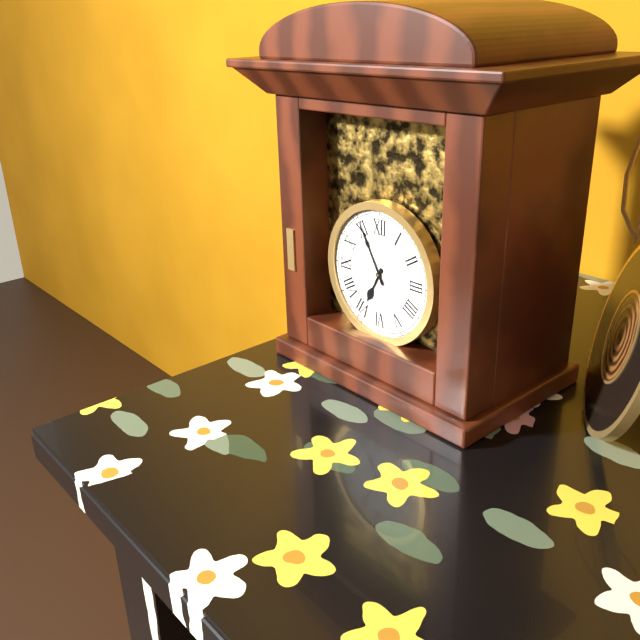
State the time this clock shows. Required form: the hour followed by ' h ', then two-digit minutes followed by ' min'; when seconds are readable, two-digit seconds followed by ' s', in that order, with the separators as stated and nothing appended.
6 h 55 min
